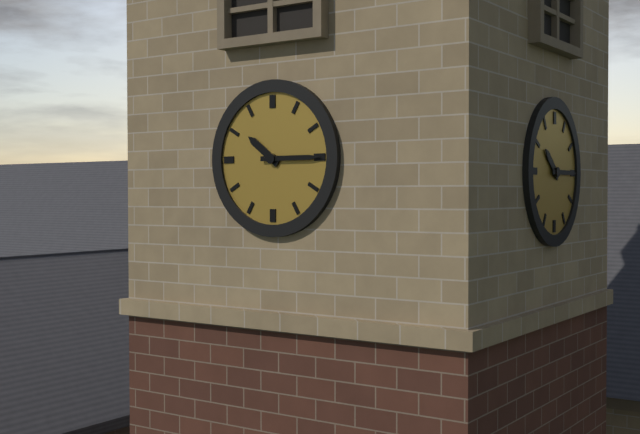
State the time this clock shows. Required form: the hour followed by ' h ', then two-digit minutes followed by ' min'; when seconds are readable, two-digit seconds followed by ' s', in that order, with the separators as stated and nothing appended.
10 h 15 min
